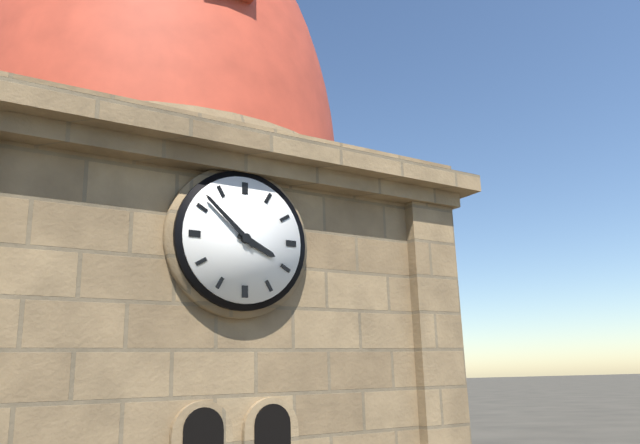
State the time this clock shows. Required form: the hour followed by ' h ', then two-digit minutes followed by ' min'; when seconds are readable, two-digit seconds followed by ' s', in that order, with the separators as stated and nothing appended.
3 h 52 min
